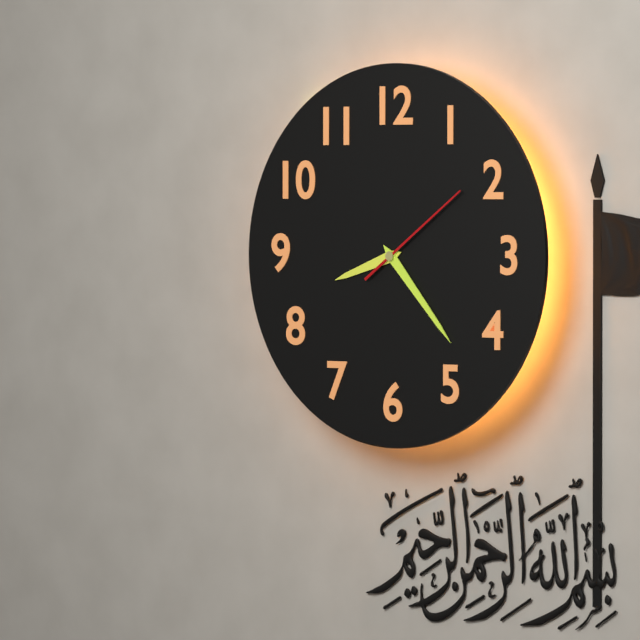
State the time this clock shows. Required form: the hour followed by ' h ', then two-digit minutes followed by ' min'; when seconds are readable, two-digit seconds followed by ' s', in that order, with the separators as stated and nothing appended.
8 h 23 min 09 s
